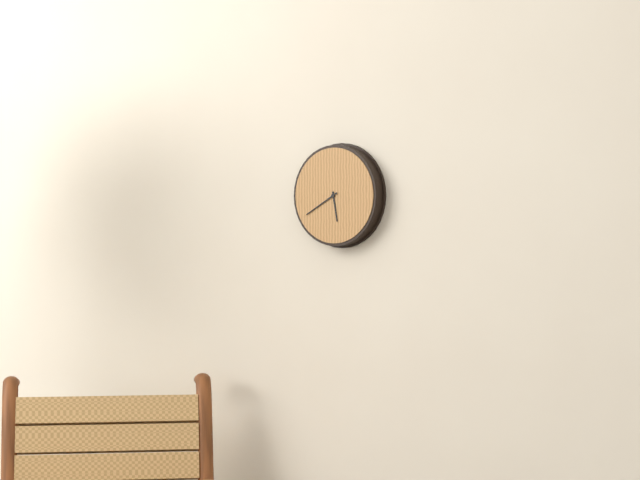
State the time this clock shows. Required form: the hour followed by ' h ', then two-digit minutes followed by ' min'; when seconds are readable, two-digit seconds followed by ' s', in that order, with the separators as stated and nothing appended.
5 h 40 min
